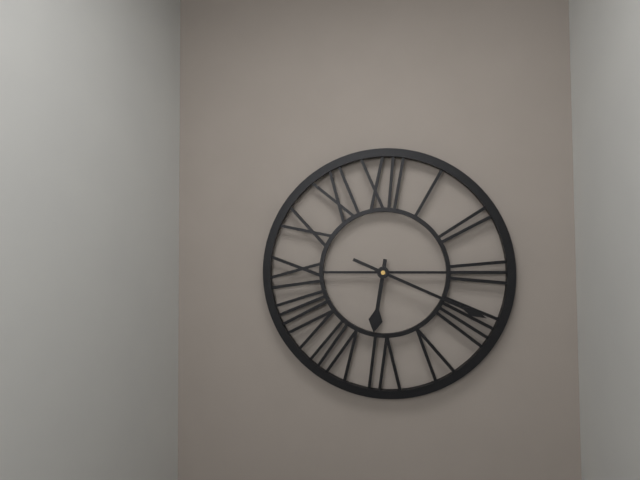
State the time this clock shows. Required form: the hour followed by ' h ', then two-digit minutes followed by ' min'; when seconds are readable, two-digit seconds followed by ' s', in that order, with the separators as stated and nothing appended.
6 h 19 min
